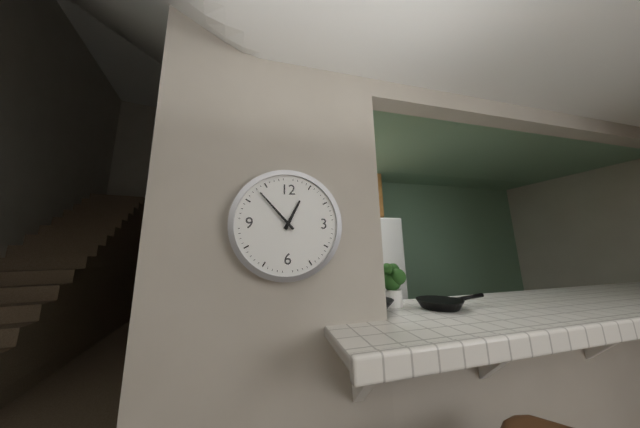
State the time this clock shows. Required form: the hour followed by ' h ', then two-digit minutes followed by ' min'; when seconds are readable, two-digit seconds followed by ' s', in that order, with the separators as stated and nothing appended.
12 h 53 min
